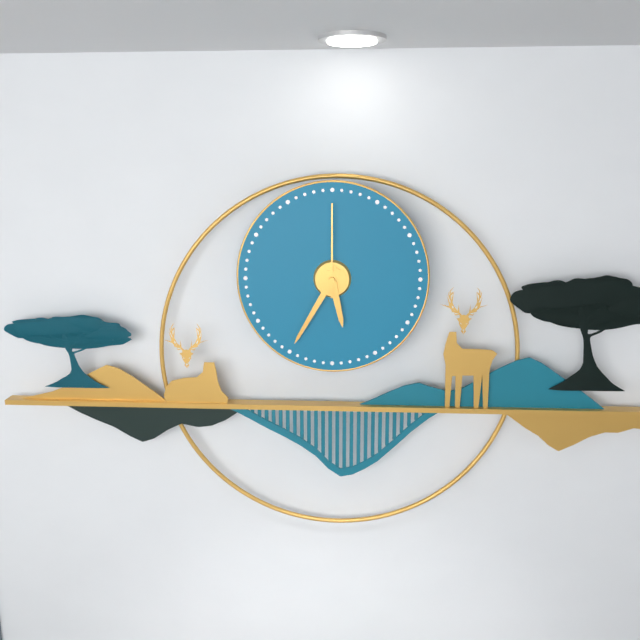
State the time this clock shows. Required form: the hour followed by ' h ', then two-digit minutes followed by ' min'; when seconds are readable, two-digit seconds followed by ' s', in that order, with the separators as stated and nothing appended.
5 h 35 min 00 s
